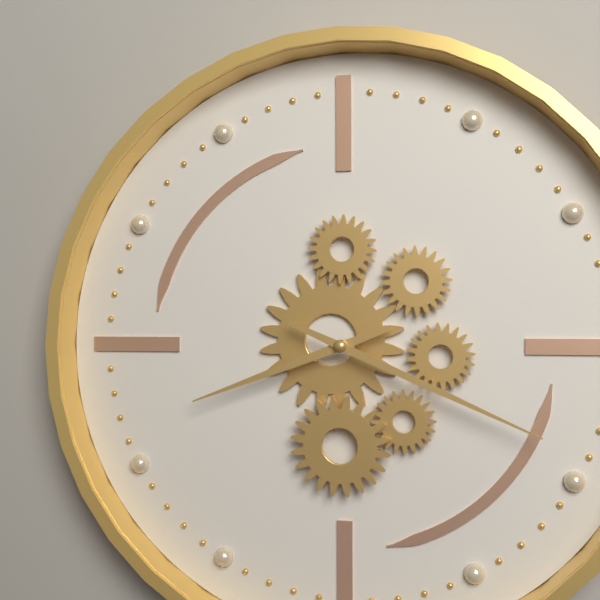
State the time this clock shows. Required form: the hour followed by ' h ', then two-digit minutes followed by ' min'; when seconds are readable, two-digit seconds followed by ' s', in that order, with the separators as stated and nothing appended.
8 h 19 min
